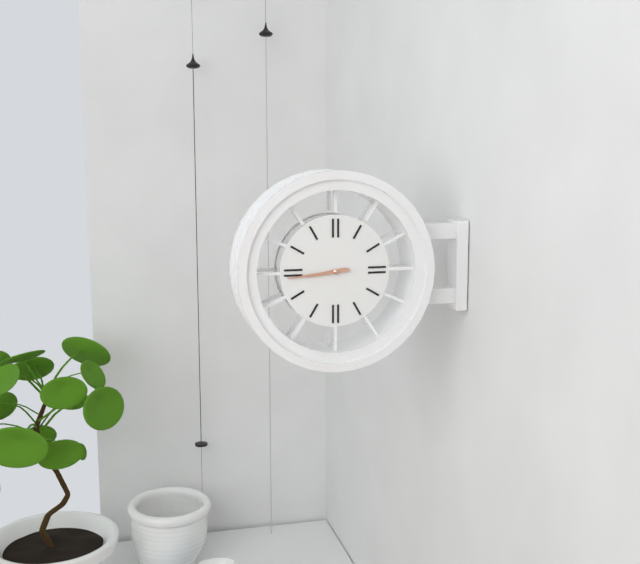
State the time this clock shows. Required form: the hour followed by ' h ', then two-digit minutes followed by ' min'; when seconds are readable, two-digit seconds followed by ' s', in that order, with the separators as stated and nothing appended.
8 h 44 min
